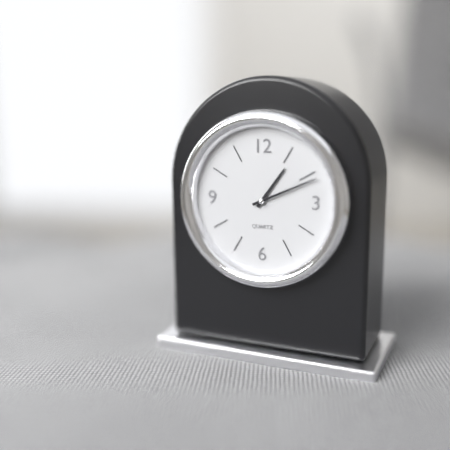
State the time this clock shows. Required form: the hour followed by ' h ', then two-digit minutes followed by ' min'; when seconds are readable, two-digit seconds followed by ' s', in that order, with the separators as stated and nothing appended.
1 h 11 min
